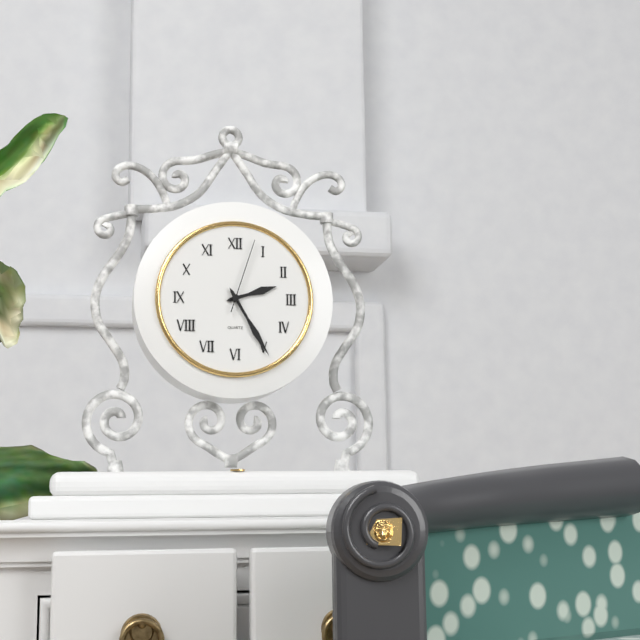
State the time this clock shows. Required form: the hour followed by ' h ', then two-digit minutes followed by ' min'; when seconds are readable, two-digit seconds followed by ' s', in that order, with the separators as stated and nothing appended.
2 h 25 min 03 s
